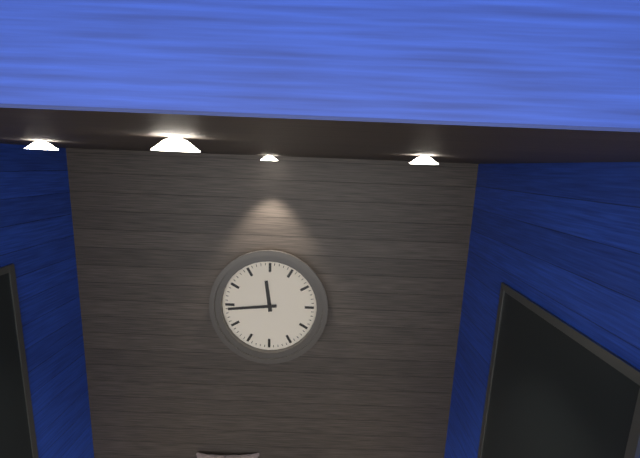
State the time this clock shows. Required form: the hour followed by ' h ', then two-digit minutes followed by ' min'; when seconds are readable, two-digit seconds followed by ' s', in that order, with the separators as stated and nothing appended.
11 h 44 min
